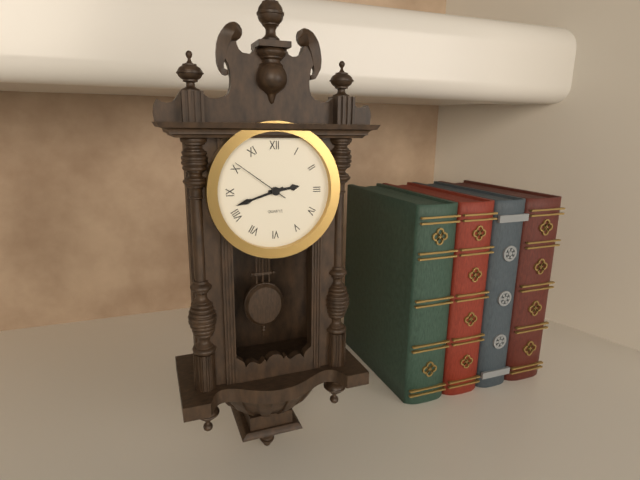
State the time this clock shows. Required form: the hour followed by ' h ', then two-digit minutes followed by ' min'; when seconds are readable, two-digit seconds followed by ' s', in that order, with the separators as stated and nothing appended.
2 h 42 min 51 s
